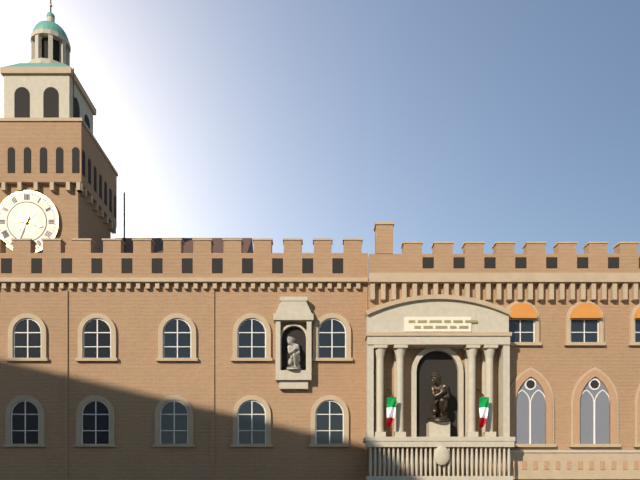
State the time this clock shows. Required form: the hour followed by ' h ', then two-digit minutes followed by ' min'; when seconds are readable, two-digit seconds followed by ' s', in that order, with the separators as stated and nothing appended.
3 h 34 min
